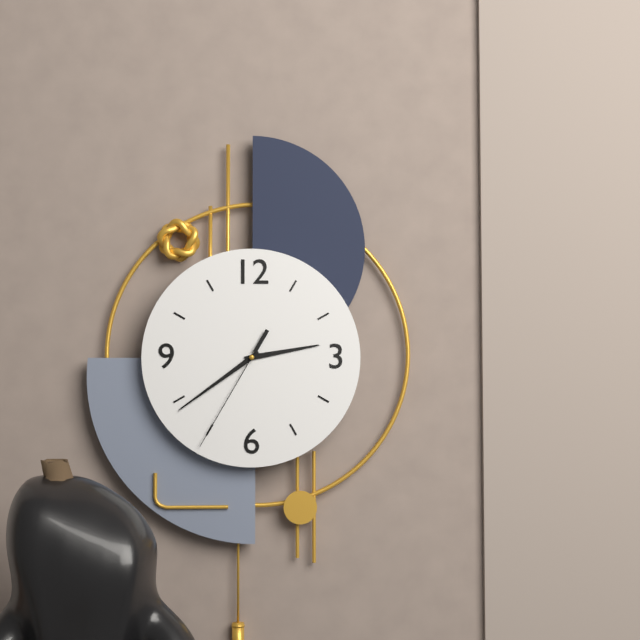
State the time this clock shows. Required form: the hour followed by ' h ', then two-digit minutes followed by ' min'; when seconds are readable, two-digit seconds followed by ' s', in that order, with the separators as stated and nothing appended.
2 h 39 min 35 s
